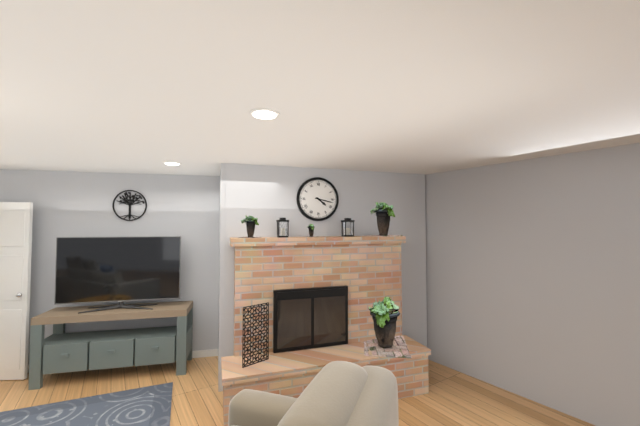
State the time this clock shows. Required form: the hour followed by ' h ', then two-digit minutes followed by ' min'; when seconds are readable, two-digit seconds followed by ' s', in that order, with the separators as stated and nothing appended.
4 h 17 min
